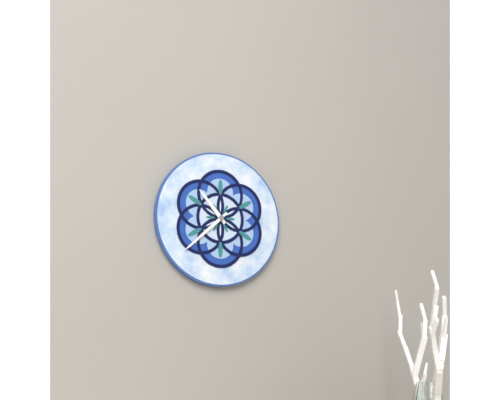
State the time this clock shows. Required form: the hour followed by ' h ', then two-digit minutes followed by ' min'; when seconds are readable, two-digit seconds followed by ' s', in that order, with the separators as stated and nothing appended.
10 h 38 min
